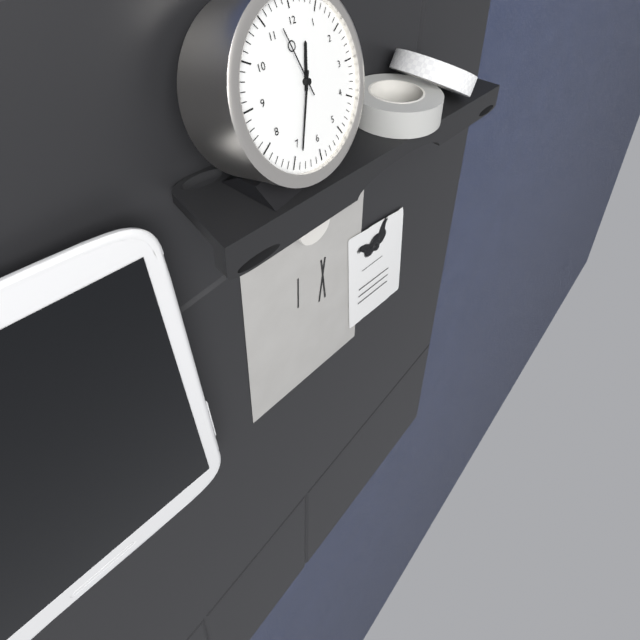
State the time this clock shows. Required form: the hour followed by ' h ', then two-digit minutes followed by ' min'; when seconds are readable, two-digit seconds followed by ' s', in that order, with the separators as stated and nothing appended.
12 h 34 min 57 s
